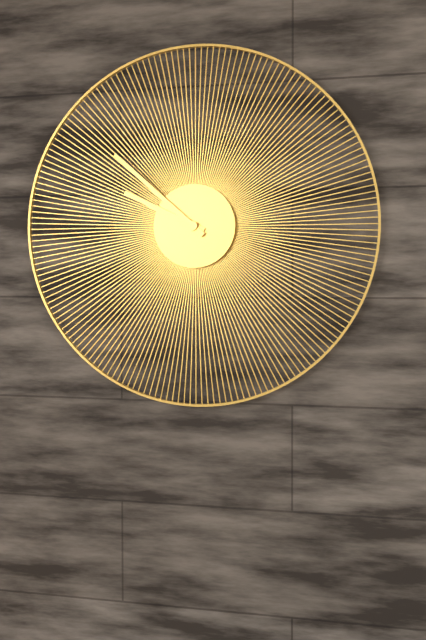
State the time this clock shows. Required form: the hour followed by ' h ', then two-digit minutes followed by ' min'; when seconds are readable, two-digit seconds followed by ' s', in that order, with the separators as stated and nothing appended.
9 h 52 min
